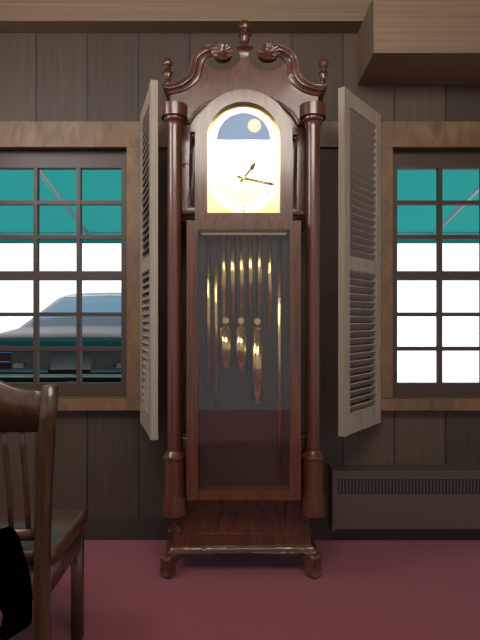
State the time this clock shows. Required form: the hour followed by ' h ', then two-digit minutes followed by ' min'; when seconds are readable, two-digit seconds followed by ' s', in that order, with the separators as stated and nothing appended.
1 h 17 min
